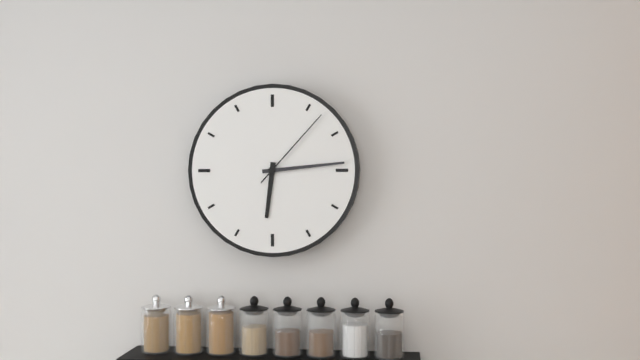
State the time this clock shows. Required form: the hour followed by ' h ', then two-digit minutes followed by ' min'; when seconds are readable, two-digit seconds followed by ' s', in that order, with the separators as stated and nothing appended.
6 h 14 min 07 s
